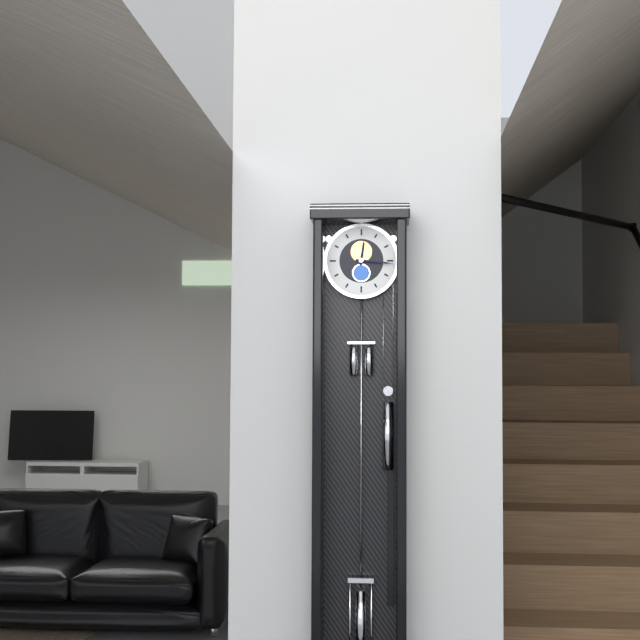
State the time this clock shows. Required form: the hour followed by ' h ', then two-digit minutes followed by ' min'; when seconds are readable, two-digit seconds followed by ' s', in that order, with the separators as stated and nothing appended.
12 h 16 min
